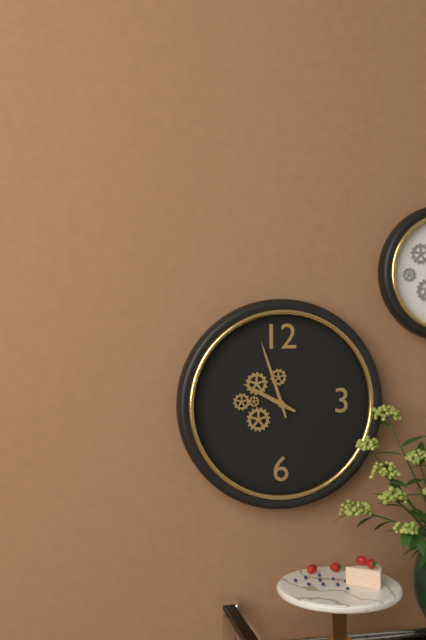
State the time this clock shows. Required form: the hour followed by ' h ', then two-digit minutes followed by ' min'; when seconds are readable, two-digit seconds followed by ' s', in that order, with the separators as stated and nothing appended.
9 h 57 min
